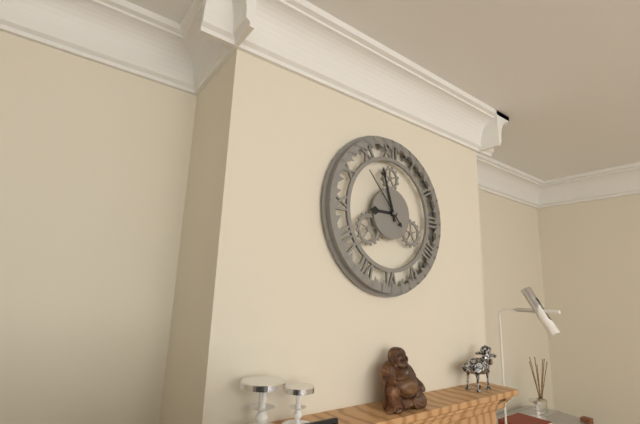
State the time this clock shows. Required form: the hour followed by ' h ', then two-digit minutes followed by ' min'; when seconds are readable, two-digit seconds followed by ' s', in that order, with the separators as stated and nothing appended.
8 h 57 min 53 s
